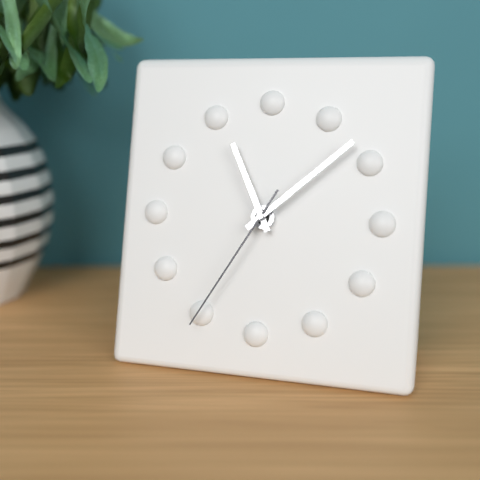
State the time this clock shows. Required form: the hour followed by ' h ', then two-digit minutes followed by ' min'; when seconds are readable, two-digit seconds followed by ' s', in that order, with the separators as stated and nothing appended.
11 h 08 min 35 s
